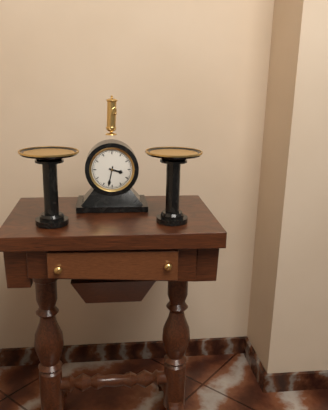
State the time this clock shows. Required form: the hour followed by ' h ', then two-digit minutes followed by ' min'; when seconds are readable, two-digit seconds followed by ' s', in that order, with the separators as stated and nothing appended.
3 h 32 min
